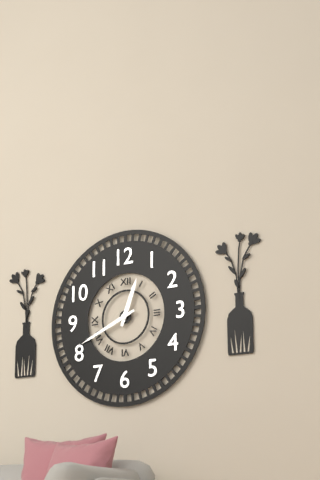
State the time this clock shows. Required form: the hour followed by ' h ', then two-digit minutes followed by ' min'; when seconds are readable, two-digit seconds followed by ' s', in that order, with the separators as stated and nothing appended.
12 h 41 min
